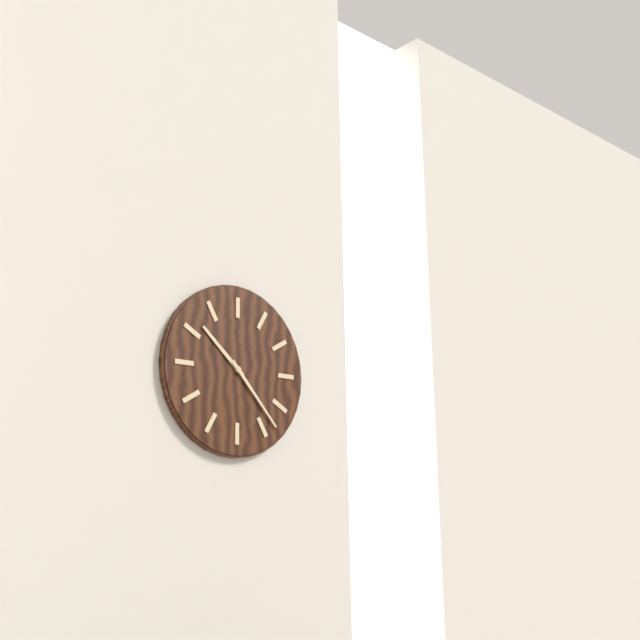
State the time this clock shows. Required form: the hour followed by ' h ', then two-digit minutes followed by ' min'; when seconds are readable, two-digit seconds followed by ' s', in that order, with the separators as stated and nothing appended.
10 h 23 min
